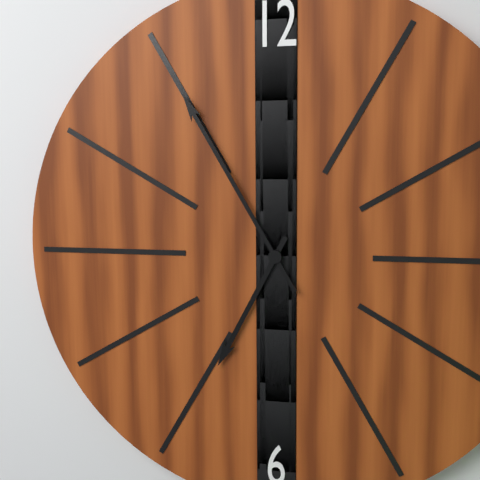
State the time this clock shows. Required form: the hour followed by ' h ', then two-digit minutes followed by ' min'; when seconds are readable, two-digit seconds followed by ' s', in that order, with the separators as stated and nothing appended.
6 h 55 min
